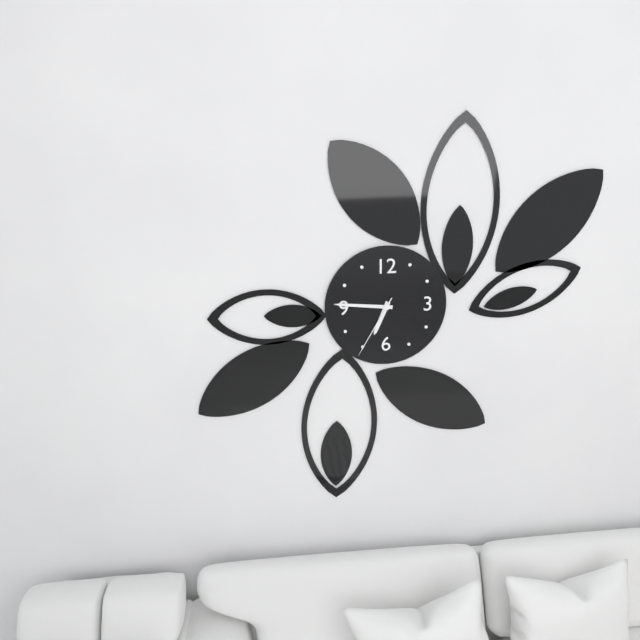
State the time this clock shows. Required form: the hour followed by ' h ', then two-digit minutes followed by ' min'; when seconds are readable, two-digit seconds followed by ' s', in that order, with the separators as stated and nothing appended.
6 h 46 min 35 s
